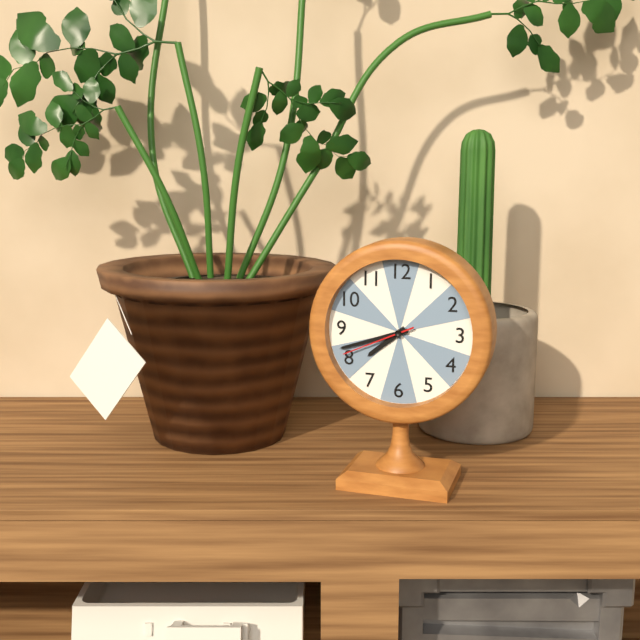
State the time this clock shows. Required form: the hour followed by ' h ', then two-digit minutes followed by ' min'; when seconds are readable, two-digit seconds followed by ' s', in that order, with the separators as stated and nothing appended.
7 h 42 min 41 s
